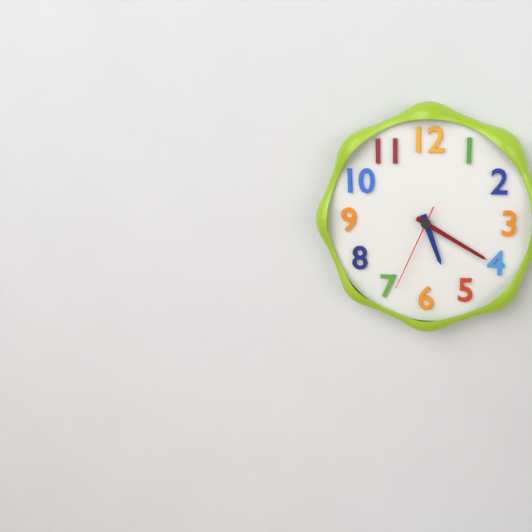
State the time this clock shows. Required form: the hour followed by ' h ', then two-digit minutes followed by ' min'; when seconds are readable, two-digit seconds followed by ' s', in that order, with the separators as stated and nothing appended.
5 h 20 min 34 s
